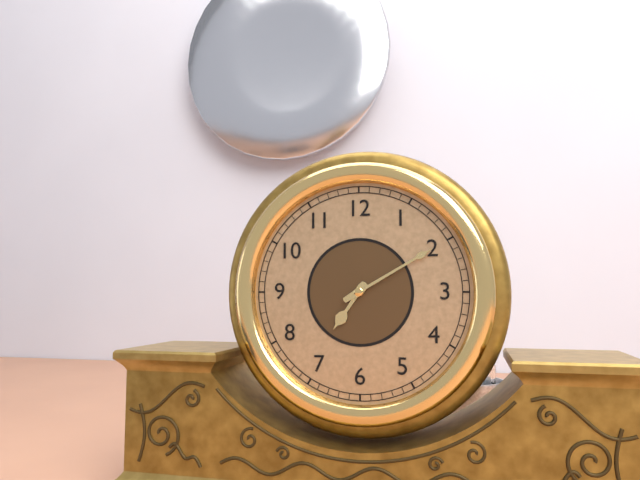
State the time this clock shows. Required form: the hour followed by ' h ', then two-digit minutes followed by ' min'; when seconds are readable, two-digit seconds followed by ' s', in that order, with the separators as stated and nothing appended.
7 h 10 min
